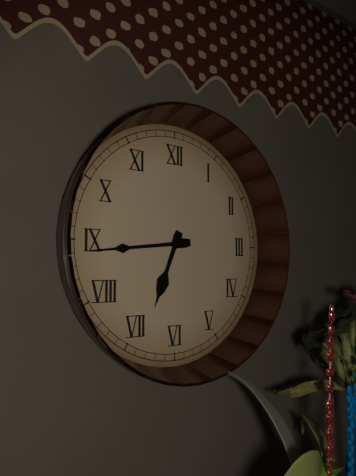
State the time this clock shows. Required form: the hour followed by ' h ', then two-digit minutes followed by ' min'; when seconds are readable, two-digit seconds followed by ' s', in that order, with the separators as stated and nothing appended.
6 h 44 min
